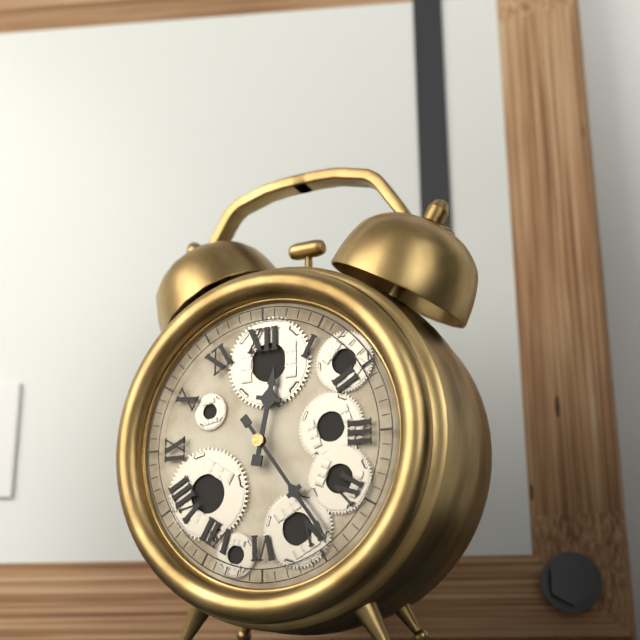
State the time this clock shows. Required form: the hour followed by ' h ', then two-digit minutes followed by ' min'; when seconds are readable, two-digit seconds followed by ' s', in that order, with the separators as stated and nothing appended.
12 h 24 min
